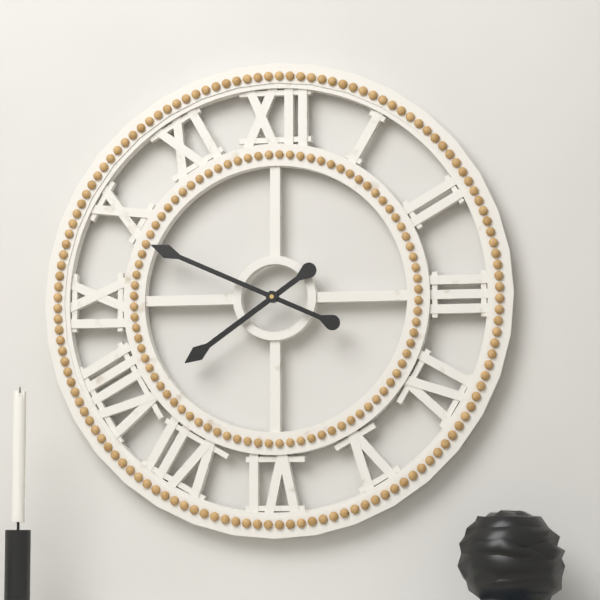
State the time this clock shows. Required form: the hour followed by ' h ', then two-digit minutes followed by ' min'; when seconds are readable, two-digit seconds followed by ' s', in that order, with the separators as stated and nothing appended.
7 h 49 min
